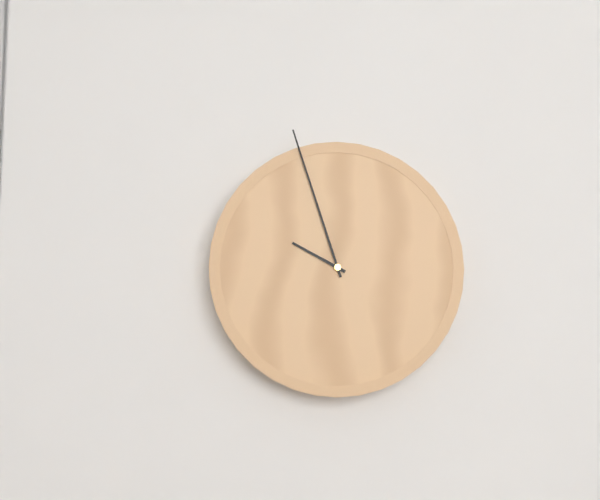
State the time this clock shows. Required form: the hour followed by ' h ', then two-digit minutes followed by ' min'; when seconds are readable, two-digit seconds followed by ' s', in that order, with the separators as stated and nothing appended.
9 h 57 min
